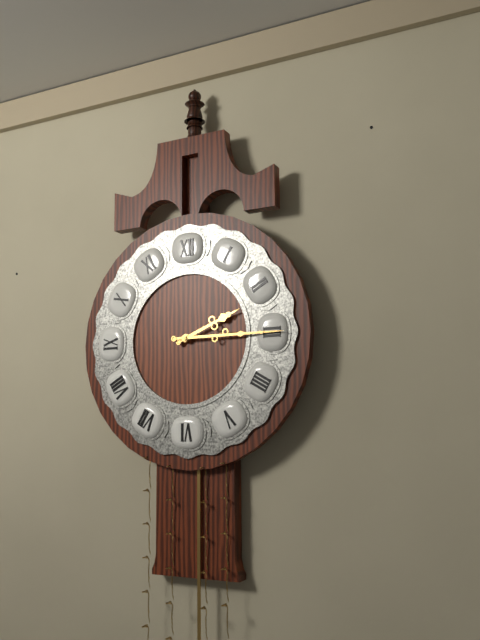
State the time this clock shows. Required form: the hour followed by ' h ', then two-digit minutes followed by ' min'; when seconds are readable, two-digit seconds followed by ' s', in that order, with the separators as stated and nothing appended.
2 h 15 min
